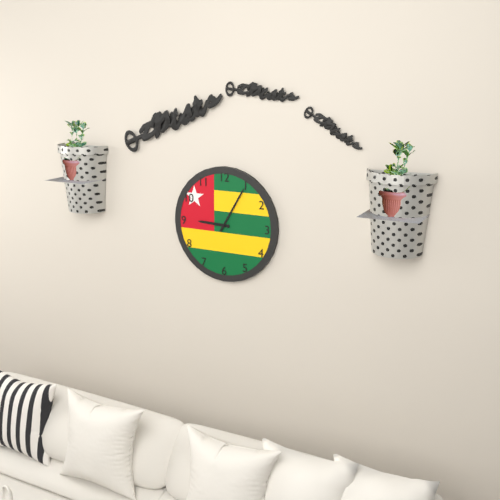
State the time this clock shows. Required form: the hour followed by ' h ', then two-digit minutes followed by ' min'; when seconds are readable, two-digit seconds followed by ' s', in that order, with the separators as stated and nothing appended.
9 h 05 min
